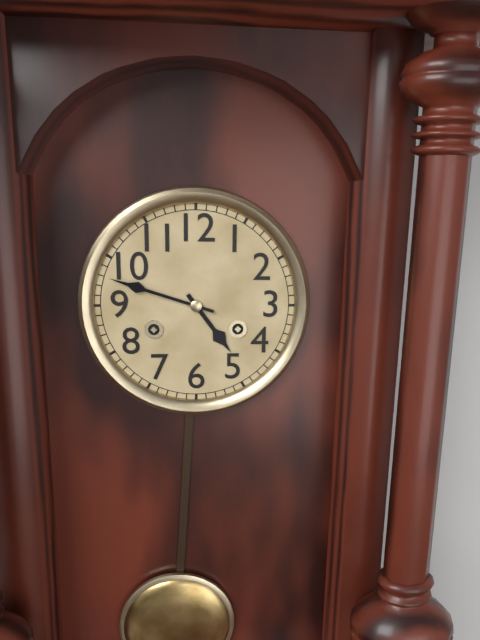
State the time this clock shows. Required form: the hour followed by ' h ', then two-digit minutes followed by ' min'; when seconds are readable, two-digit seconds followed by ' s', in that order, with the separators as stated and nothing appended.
4 h 48 min
